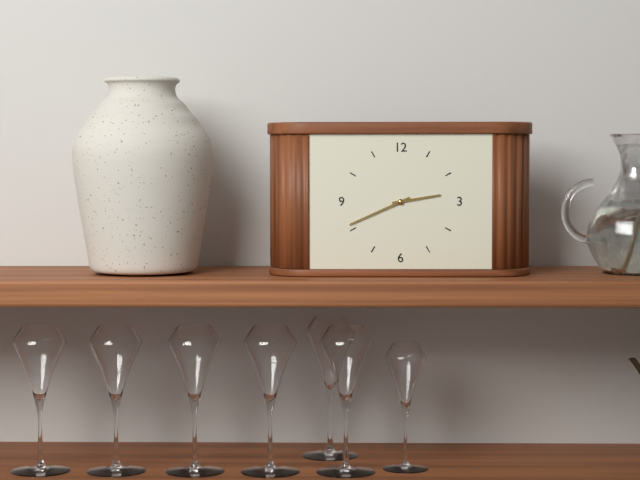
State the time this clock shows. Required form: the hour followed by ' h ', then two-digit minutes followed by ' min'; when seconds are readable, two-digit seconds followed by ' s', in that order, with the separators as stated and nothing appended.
2 h 41 min
